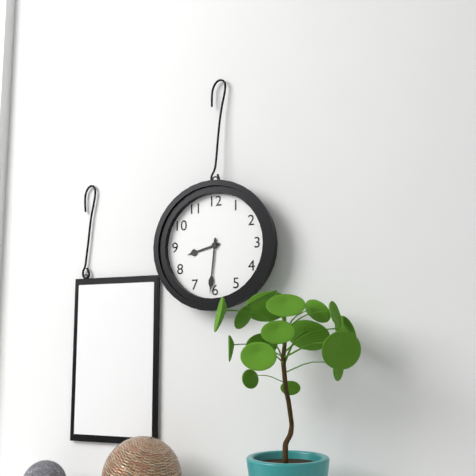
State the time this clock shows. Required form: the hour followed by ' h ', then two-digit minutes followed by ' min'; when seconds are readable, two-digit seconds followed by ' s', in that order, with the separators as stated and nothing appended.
8 h 31 min
